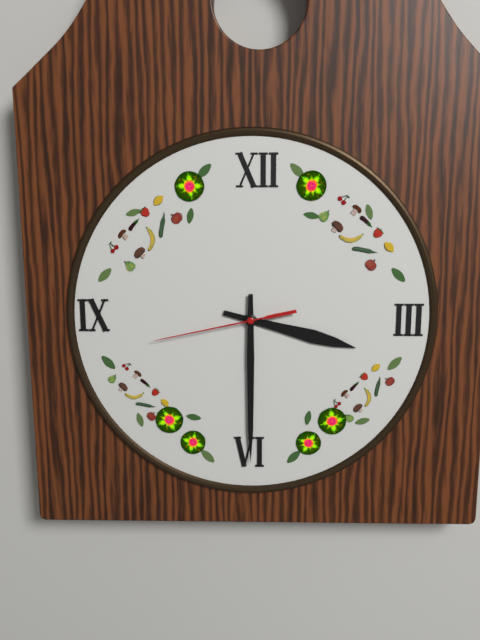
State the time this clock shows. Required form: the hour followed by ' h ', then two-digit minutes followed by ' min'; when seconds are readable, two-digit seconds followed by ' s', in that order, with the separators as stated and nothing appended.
3 h 30 min 43 s
